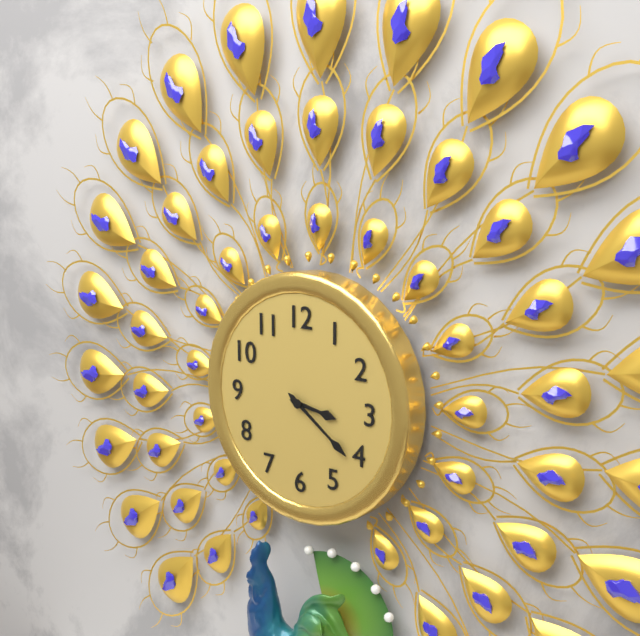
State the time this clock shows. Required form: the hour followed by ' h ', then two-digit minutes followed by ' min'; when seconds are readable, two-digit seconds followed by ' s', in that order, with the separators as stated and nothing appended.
3 h 21 min
